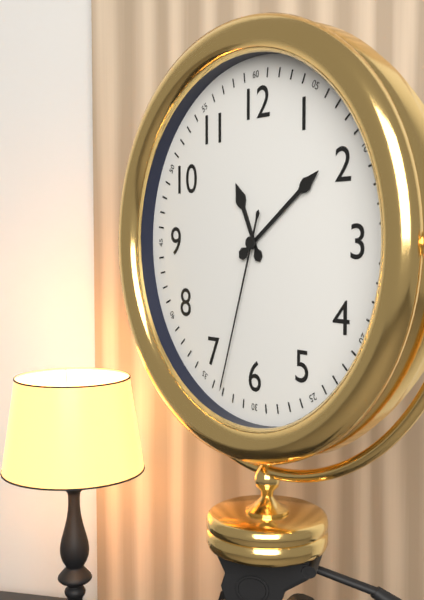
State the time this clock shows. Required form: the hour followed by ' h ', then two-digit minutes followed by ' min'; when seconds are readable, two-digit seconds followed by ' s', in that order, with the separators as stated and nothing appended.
11 h 09 min 33 s
